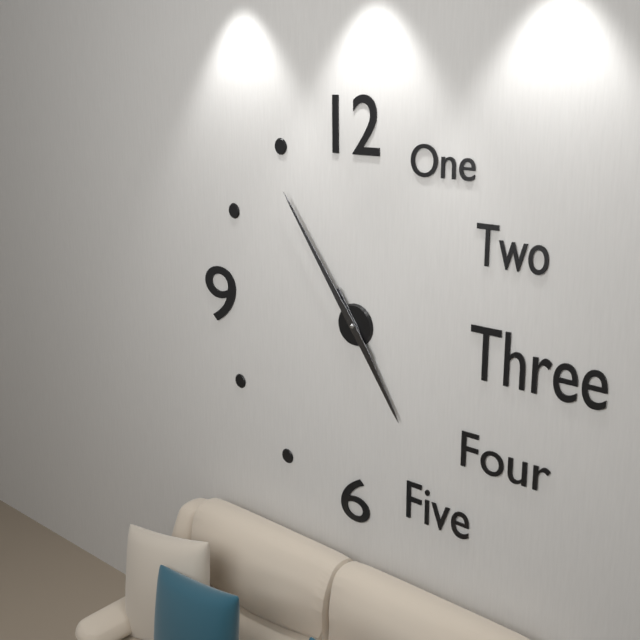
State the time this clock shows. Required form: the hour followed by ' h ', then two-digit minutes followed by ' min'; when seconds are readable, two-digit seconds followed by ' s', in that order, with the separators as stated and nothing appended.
4 h 54 min
